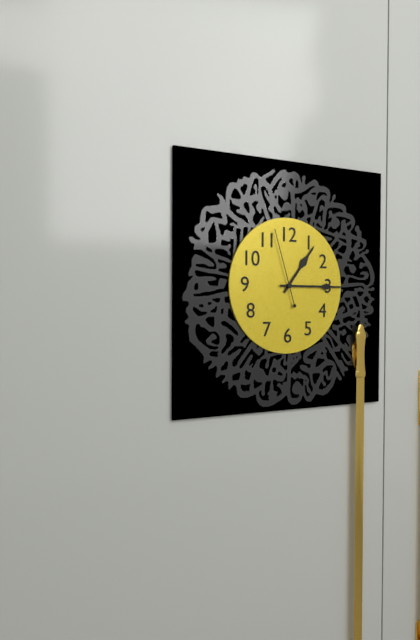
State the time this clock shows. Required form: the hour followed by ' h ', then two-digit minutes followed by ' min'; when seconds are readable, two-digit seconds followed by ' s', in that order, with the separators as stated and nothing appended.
1 h 15 min 57 s
